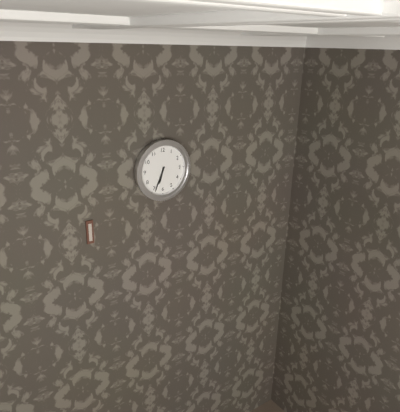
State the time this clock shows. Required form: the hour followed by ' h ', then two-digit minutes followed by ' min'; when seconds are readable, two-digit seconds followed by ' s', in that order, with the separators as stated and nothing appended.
6 h 34 min
